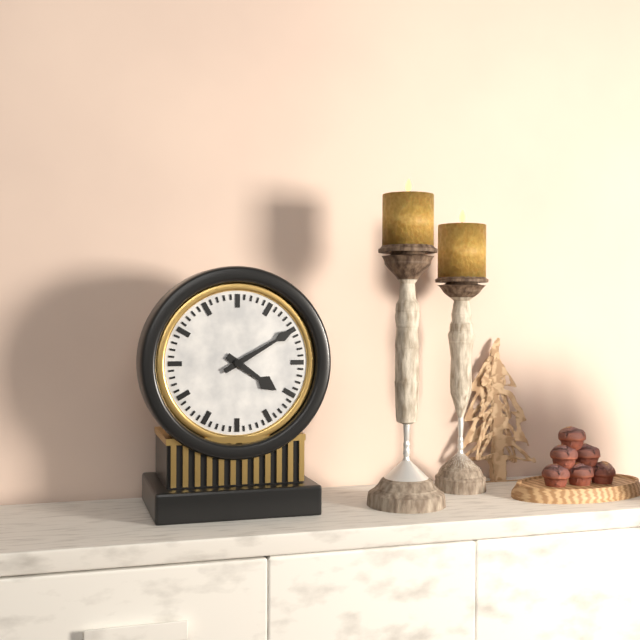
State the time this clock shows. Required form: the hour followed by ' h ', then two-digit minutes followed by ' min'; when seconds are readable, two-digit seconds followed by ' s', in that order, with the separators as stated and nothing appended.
4 h 10 min
